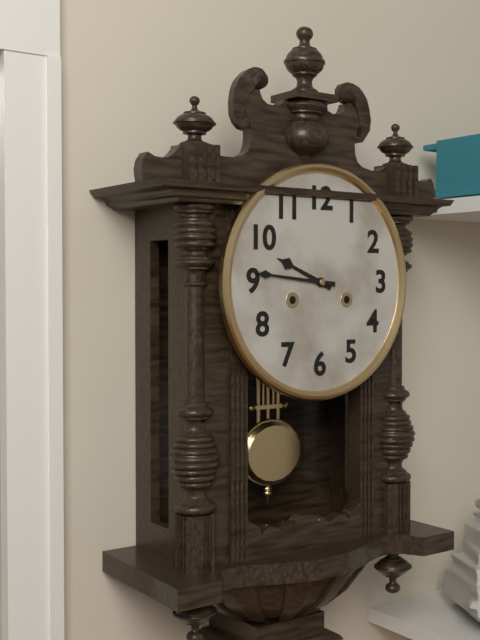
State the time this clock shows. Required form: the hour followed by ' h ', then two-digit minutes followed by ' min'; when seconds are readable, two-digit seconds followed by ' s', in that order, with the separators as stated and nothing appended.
9 h 46 min
